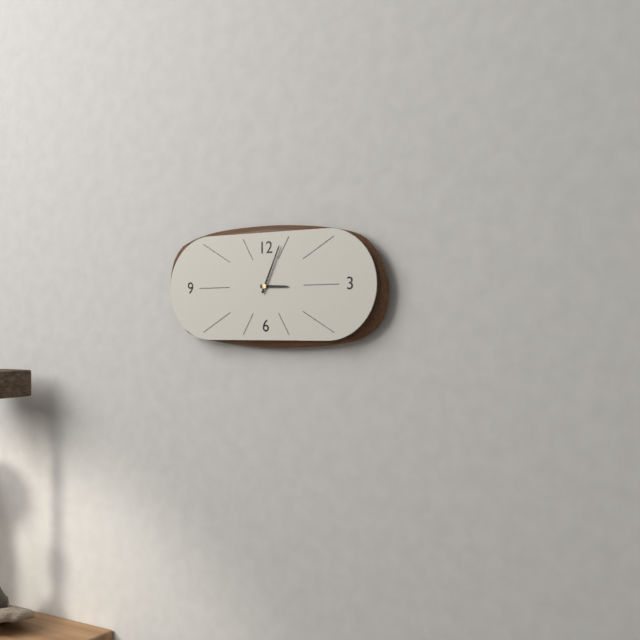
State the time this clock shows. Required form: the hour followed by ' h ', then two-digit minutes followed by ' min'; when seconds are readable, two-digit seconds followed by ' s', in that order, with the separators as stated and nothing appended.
3 h 04 min
